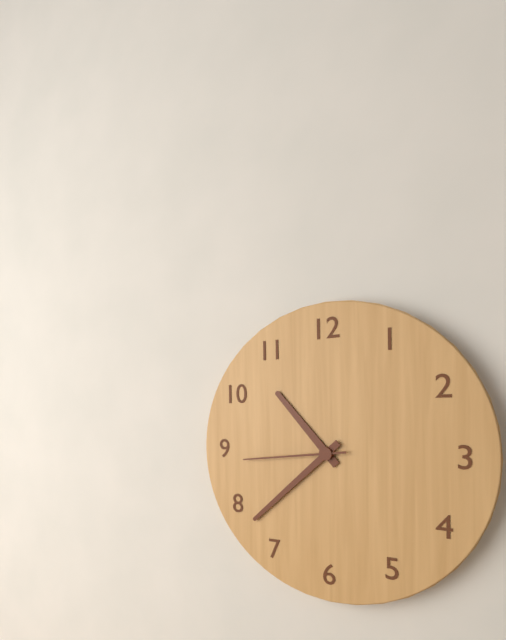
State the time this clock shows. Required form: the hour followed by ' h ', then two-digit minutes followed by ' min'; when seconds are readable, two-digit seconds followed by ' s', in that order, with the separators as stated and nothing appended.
10 h 38 min 44 s
